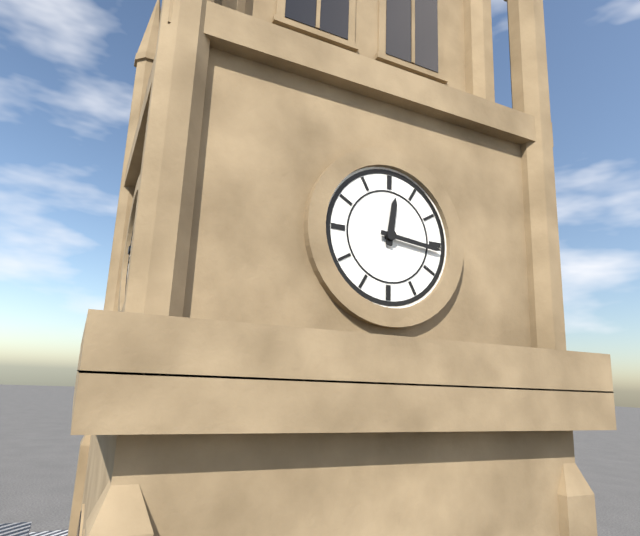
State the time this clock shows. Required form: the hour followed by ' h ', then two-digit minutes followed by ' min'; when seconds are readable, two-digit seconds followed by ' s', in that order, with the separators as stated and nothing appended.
12 h 16 min
